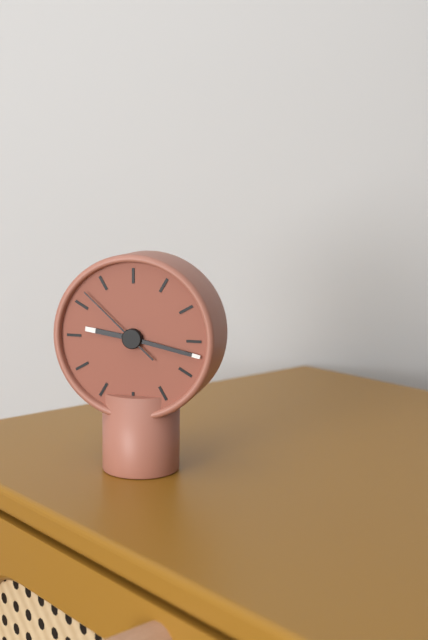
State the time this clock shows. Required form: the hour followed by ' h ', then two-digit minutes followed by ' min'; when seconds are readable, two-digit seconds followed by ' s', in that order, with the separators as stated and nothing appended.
9 h 17 min 52 s
